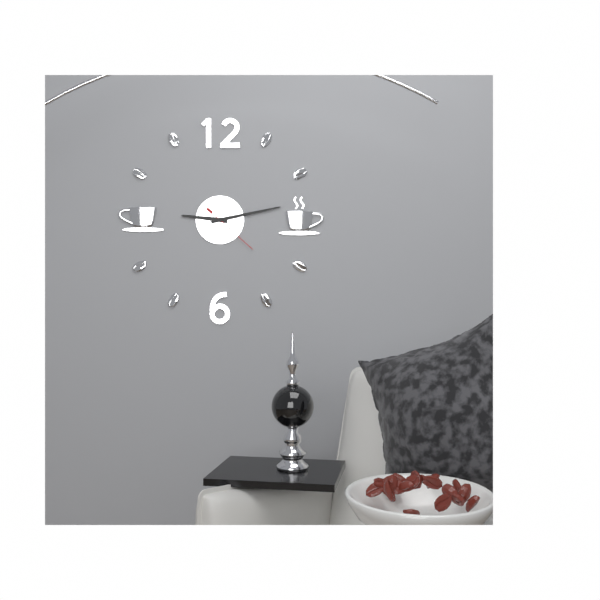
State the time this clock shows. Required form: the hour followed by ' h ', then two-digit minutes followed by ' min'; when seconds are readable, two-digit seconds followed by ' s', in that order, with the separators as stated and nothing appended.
9 h 13 min 22 s
